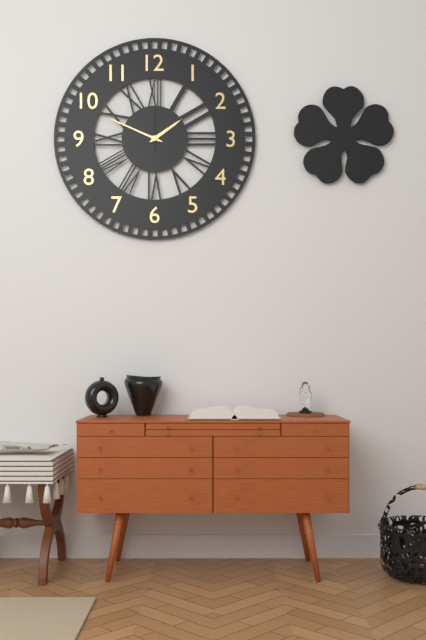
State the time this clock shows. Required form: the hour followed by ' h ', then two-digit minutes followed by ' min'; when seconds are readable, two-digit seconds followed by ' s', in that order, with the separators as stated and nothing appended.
1 h 49 min 00 s
